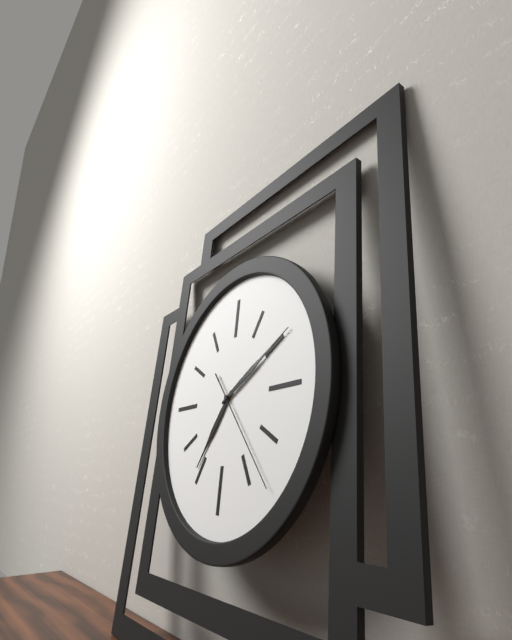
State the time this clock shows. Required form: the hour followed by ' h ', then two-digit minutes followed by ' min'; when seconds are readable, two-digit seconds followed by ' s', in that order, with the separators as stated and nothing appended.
7 h 10 min 23 s
